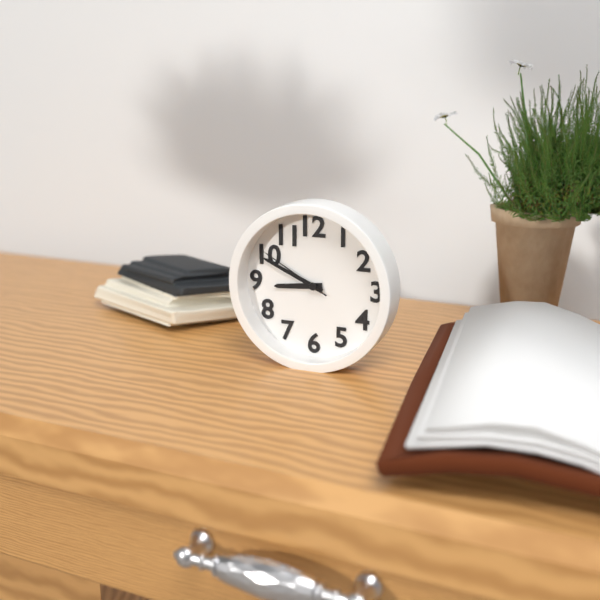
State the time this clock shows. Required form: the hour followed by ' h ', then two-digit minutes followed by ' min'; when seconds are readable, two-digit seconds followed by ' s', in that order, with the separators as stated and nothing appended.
8 h 49 min 50 s
